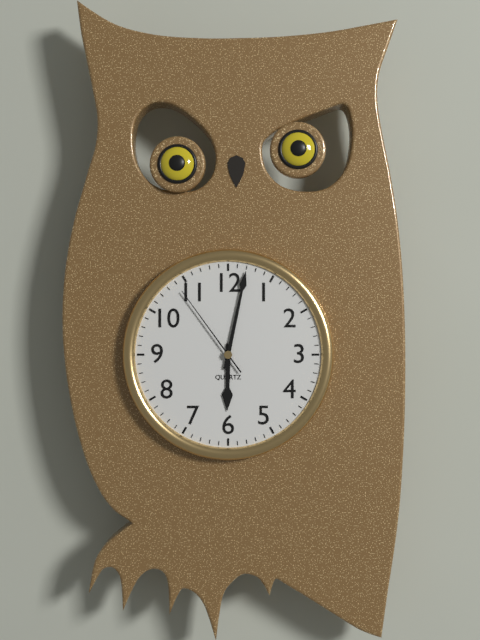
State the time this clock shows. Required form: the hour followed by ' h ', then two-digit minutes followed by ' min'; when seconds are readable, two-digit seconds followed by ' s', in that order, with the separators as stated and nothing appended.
6 h 02 min 54 s
